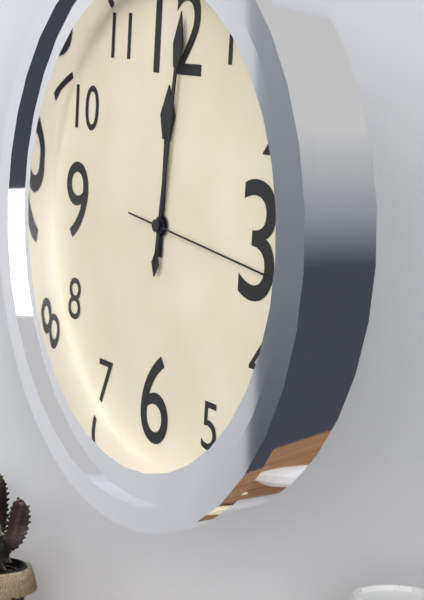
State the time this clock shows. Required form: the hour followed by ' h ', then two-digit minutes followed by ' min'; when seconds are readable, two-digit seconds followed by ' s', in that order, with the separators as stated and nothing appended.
12 h 01 min 16 s
